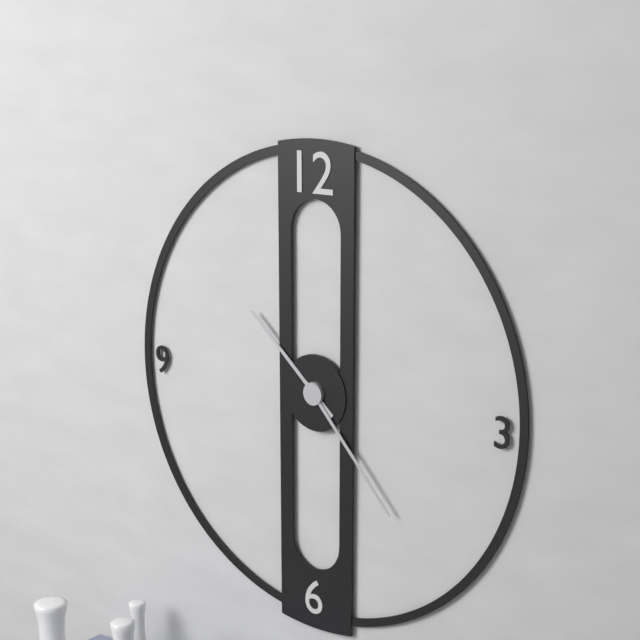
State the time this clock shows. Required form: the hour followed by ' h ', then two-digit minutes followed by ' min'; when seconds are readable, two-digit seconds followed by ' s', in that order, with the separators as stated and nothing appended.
10 h 23 min
